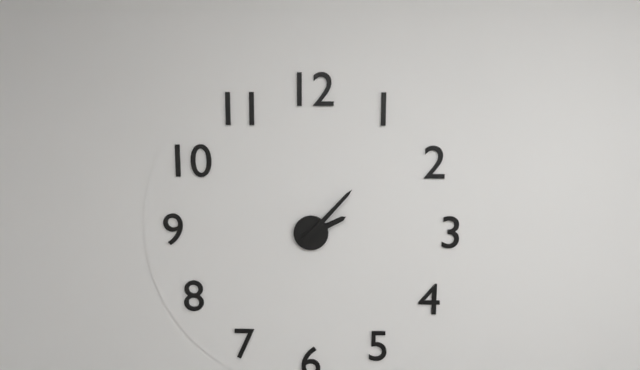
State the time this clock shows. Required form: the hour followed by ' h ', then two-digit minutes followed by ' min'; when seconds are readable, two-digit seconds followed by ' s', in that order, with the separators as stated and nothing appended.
2 h 07 min
